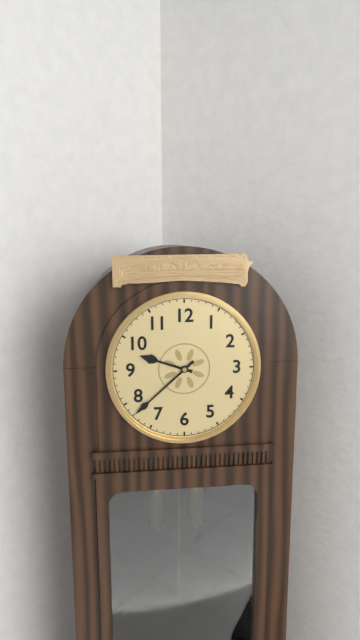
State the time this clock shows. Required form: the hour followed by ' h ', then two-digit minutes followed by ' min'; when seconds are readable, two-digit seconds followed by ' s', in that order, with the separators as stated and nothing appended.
9 h 38 min
